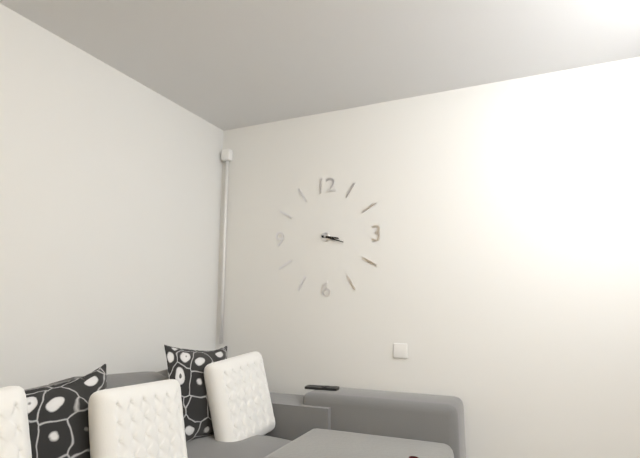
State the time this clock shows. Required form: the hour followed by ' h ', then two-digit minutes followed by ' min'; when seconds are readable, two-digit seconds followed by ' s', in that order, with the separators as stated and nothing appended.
3 h 18 min
